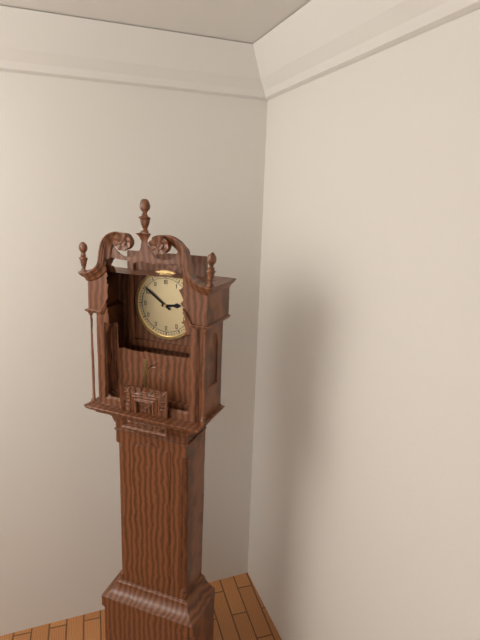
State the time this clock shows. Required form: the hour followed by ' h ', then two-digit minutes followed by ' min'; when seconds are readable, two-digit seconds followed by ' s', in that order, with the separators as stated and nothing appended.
2 h 51 min
